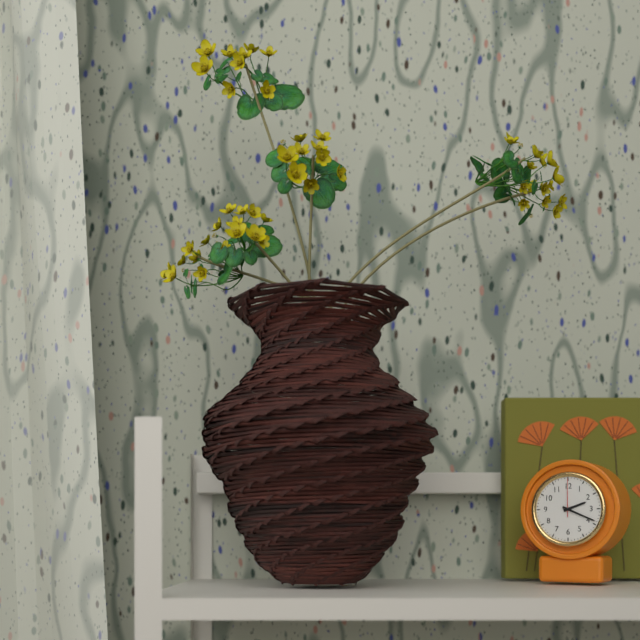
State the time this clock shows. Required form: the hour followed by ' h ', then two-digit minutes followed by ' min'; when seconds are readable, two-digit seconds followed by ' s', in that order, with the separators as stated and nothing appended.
2 h 19 min
